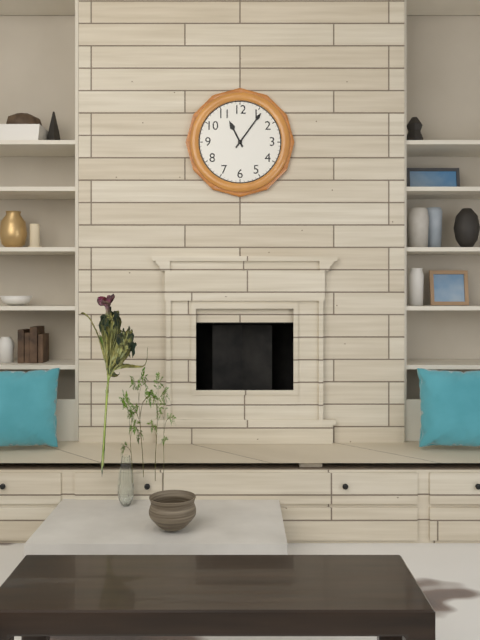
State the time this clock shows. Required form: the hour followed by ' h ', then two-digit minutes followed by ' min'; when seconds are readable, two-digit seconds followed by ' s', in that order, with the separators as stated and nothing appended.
11 h 06 min
